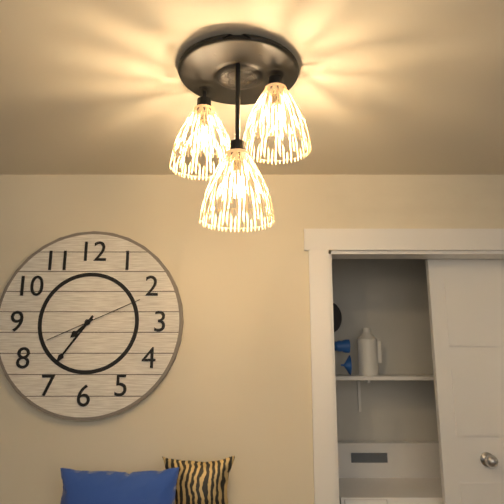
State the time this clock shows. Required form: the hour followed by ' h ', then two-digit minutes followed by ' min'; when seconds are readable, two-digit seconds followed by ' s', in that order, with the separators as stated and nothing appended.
7 h 36 min 11 s
